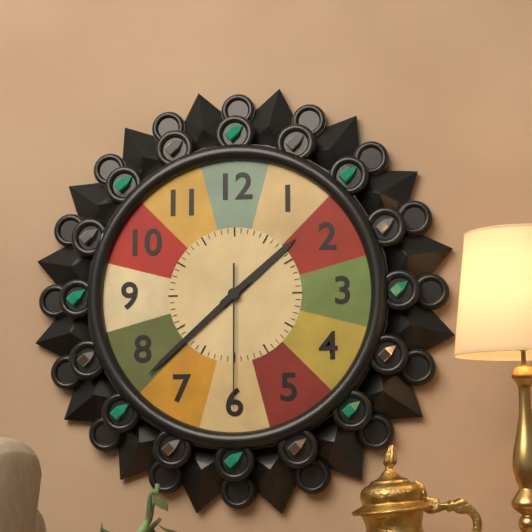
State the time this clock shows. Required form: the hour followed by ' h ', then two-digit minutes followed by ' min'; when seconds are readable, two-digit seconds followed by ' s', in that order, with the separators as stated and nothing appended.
1 h 38 min 30 s
